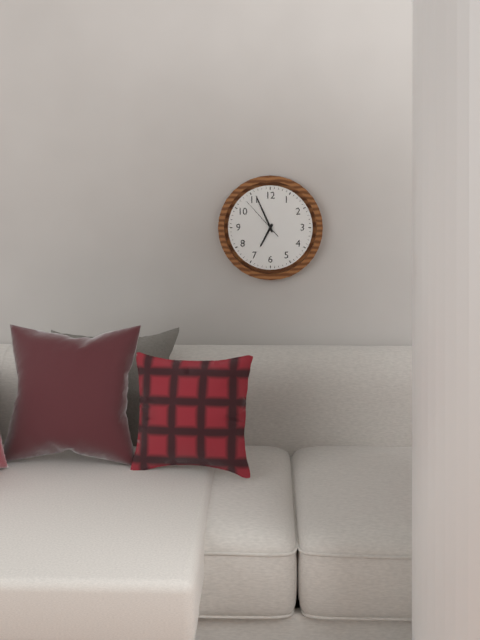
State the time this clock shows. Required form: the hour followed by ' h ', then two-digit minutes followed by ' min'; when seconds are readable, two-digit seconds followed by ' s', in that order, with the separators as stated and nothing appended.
6 h 56 min
